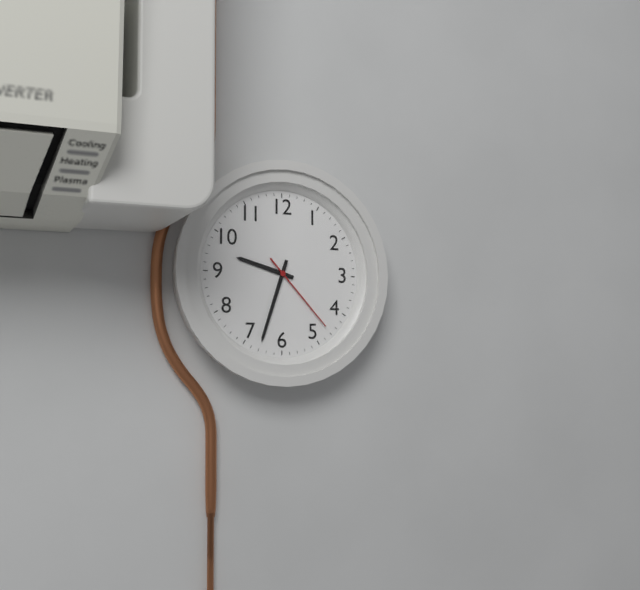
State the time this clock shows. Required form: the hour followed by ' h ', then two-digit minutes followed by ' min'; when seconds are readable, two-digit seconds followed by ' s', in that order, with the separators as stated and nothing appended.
9 h 33 min 23 s
